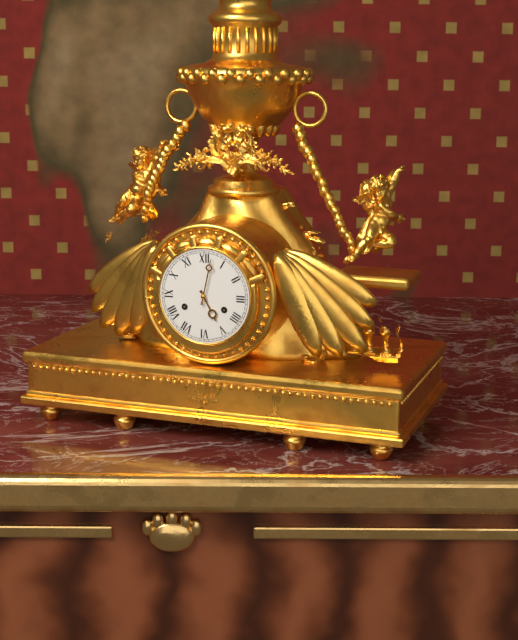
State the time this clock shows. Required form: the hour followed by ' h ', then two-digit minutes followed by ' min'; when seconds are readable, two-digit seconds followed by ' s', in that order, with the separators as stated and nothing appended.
5 h 02 min
